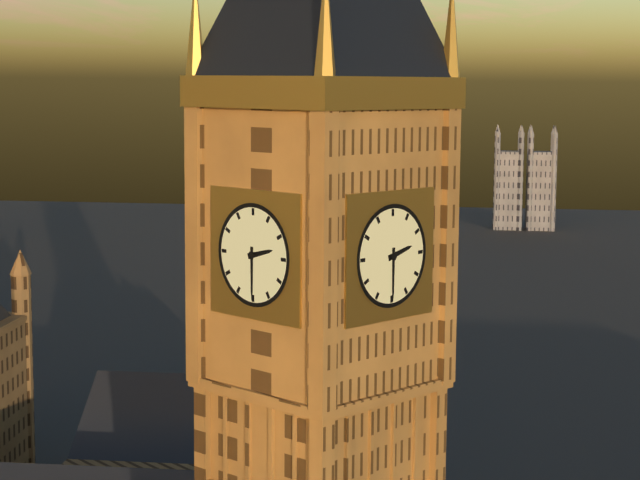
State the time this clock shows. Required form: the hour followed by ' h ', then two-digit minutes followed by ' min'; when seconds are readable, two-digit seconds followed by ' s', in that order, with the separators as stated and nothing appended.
2 h 30 min
